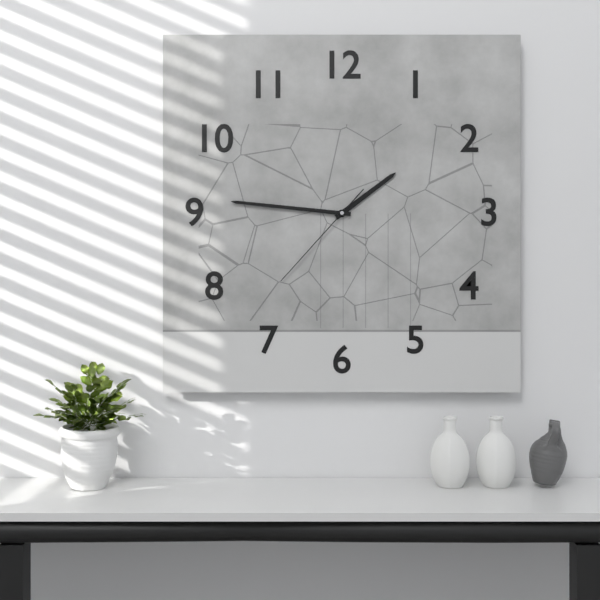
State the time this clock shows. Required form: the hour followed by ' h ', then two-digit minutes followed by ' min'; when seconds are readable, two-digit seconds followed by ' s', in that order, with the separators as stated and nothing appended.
1 h 46 min 37 s
